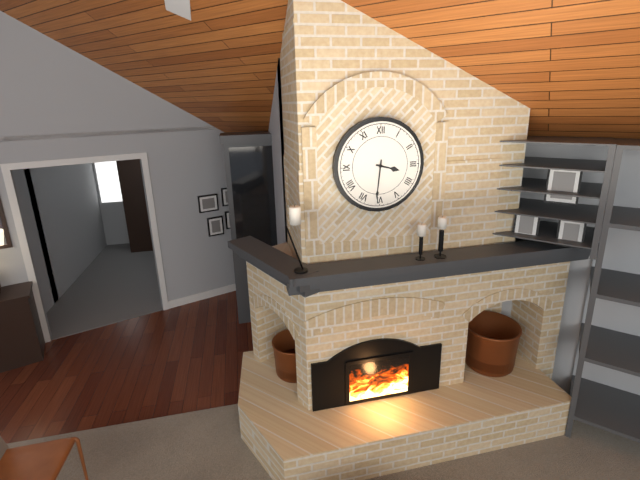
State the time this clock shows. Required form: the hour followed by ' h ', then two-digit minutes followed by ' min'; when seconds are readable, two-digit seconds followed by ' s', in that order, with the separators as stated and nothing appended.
3 h 31 min
